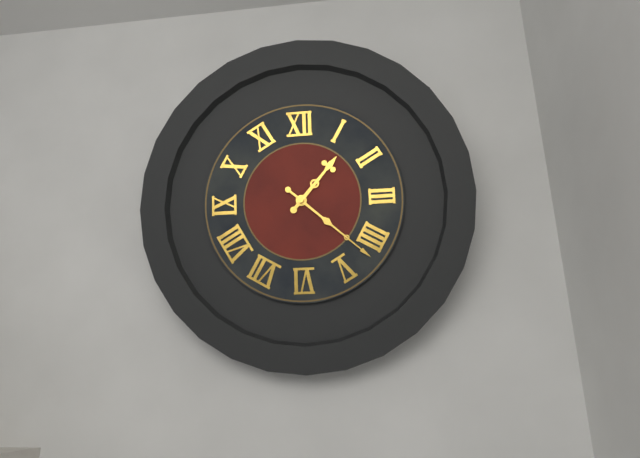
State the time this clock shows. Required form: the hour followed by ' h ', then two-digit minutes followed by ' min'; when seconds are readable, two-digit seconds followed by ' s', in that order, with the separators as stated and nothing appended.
1 h 22 min
